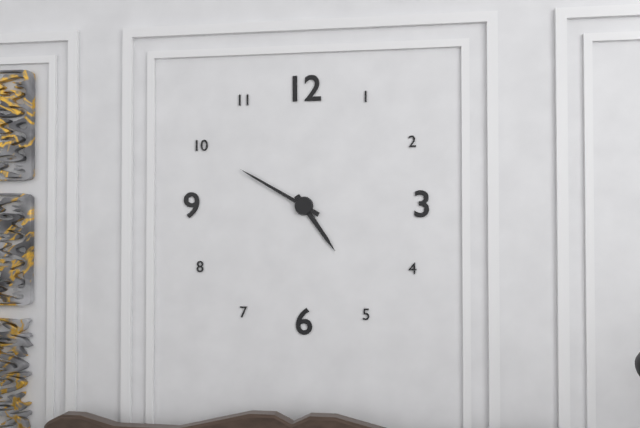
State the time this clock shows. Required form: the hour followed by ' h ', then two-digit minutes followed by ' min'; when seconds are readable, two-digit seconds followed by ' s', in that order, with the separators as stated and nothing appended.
4 h 50 min
